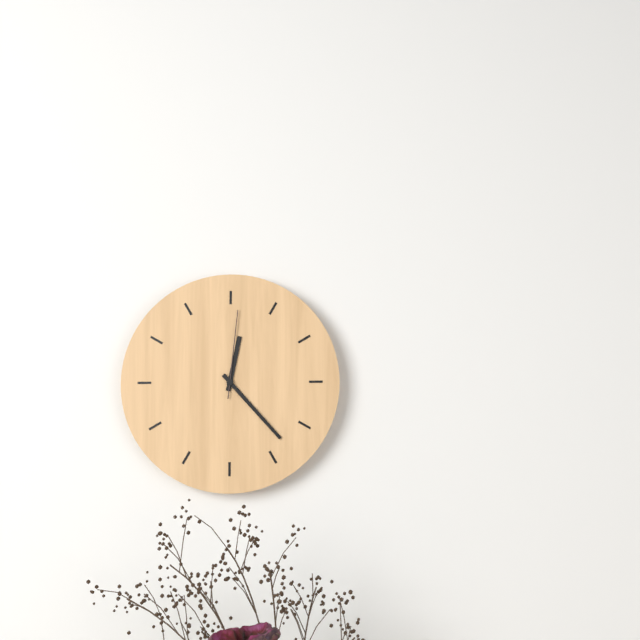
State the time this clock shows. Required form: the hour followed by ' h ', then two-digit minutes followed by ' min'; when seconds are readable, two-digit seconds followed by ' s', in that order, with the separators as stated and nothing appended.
12 h 23 min 01 s
